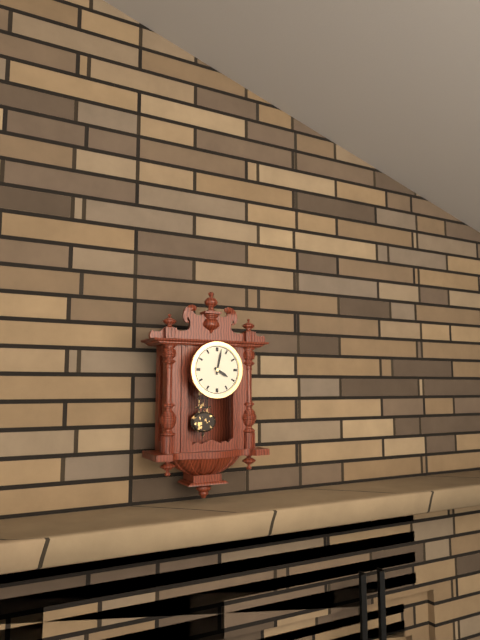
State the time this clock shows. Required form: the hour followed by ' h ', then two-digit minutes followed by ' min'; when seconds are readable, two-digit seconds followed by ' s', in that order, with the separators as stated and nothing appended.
4 h 02 min
